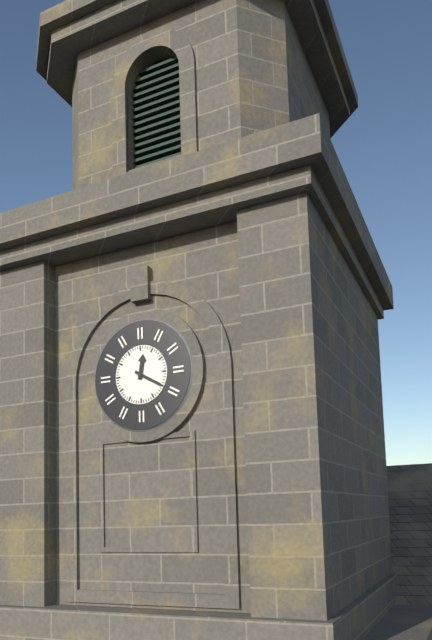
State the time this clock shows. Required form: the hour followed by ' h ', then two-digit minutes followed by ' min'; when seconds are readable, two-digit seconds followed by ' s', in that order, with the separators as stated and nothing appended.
12 h 20 min
